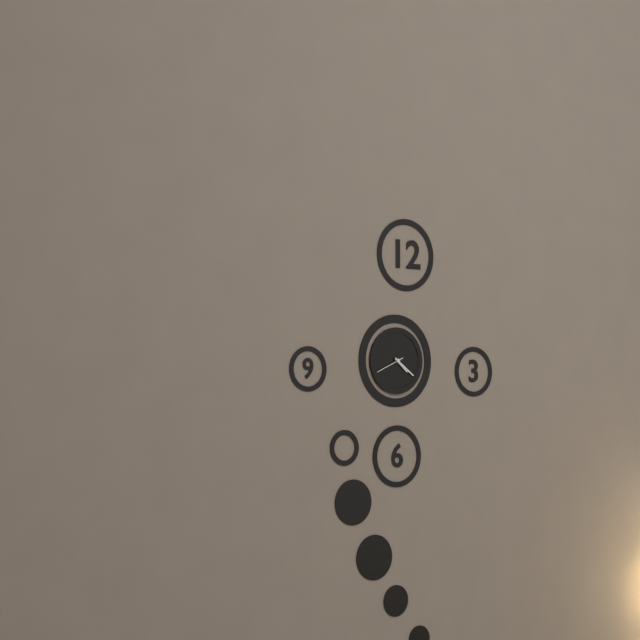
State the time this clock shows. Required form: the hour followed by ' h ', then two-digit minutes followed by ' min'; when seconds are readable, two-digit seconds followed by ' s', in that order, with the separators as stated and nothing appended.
4 h 21 min
